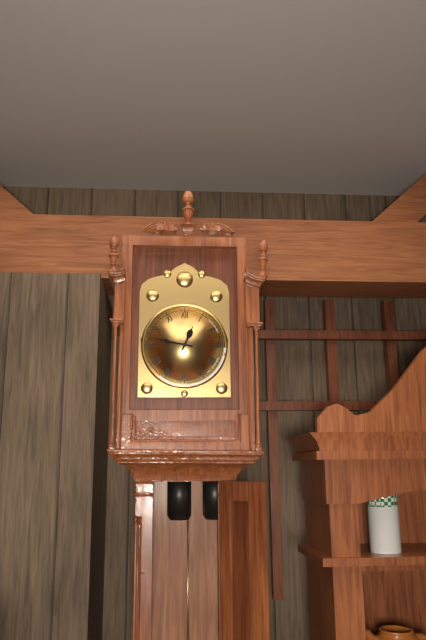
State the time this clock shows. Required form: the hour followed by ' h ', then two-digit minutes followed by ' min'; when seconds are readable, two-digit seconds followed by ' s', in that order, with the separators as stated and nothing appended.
12 h 47 min
